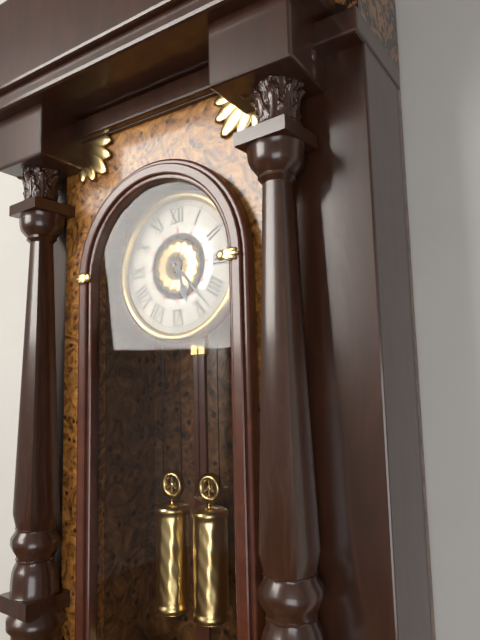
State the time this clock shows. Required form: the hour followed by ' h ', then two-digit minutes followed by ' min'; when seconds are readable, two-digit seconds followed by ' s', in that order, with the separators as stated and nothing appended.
5 h 23 min
